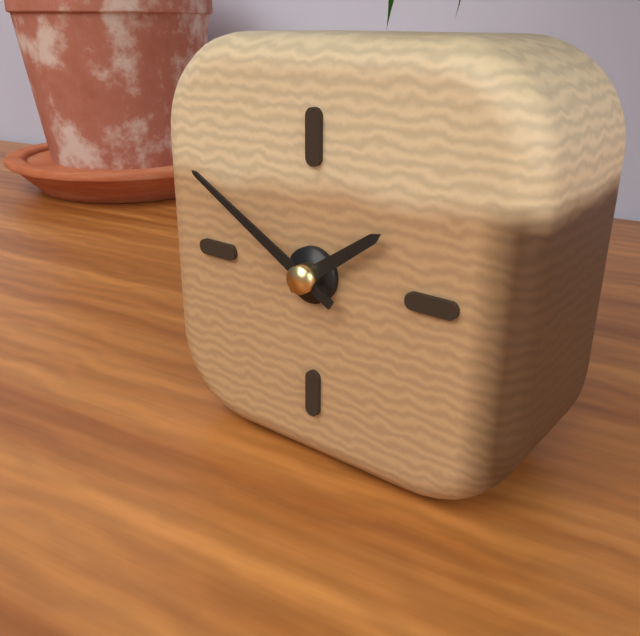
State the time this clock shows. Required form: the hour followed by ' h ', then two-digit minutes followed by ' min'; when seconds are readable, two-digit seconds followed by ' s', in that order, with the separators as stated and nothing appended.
1 h 50 min
